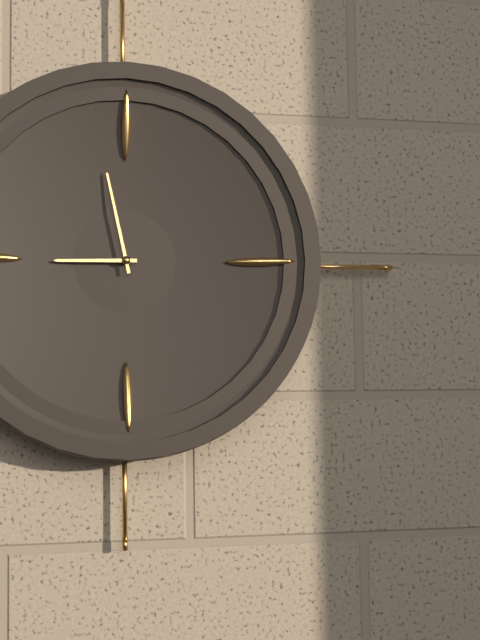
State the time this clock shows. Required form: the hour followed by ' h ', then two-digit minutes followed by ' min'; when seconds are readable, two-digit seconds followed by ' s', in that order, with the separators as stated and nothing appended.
8 h 58 min
